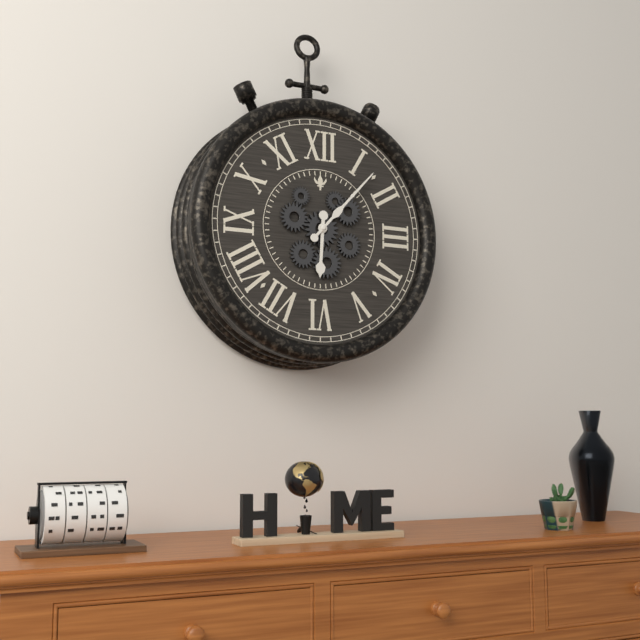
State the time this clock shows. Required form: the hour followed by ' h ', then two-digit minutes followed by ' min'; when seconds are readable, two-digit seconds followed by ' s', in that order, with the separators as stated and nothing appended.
6 h 07 min
